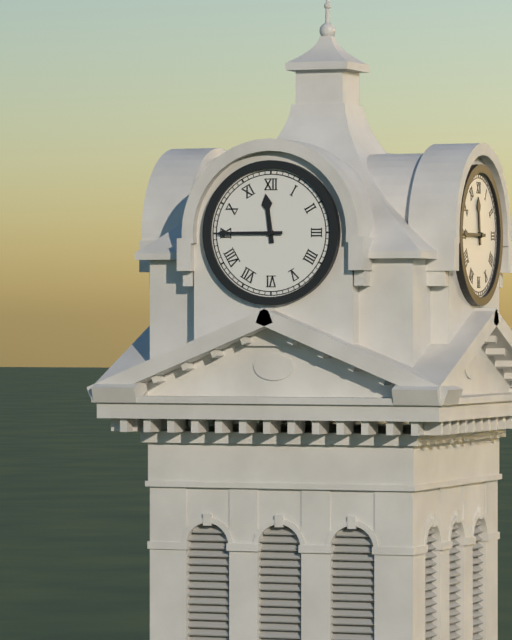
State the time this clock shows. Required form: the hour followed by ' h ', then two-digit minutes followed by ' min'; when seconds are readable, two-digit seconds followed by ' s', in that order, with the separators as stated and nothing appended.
11 h 45 min
